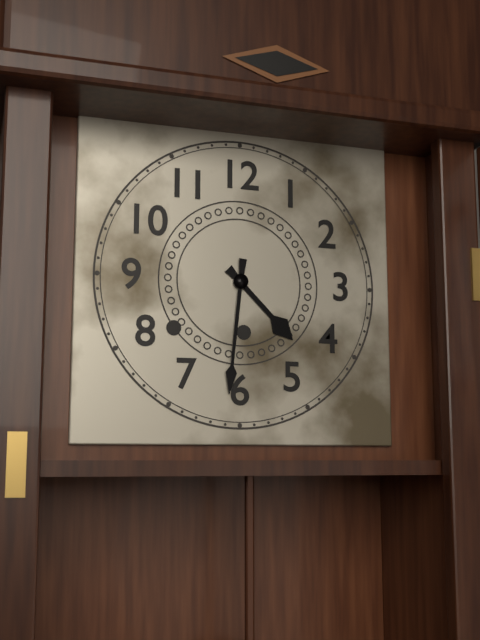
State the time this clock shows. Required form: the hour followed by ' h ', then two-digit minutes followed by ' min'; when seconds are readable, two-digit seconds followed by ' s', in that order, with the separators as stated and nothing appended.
4 h 31 min
